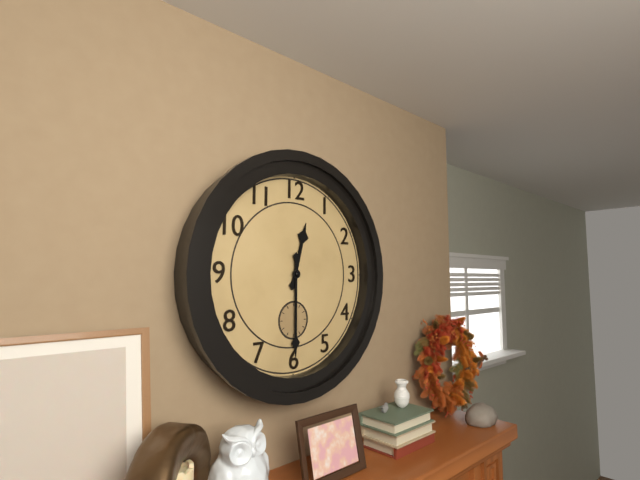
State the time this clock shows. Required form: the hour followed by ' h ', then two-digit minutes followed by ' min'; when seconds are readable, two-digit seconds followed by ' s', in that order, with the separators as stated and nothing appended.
12 h 30 min
